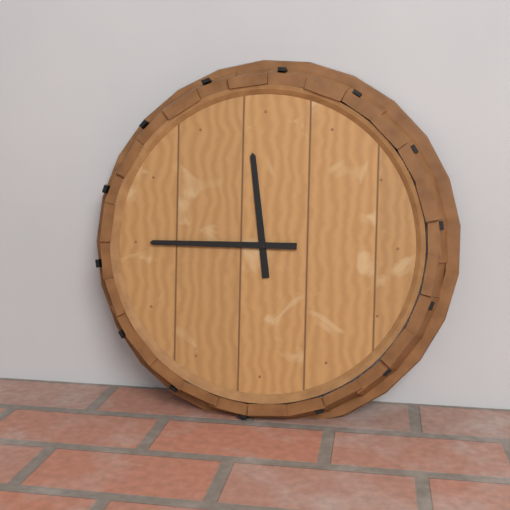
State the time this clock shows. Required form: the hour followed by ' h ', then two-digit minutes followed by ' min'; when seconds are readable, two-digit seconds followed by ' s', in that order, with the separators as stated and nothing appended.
11 h 45 min
